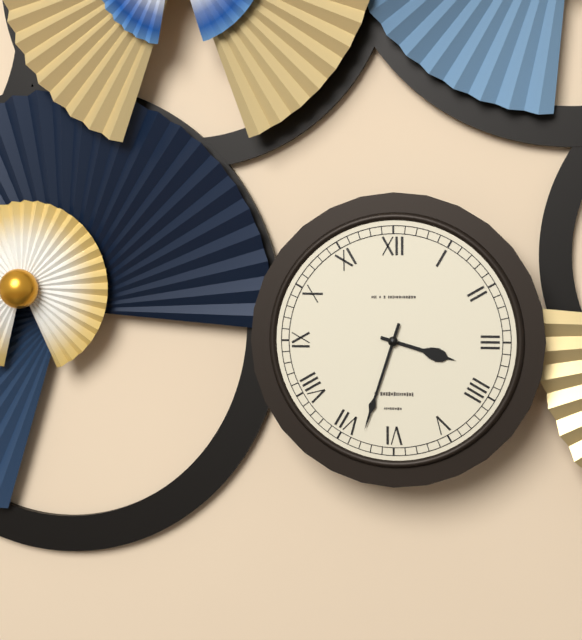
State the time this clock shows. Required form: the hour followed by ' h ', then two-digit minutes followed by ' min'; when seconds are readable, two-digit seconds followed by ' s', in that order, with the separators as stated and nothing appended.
3 h 33 min
